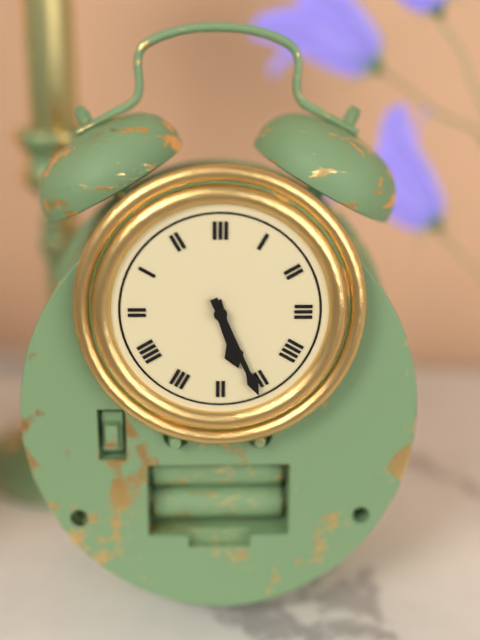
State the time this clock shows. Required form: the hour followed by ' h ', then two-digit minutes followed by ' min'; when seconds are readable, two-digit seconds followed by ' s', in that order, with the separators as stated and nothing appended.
5 h 26 min
